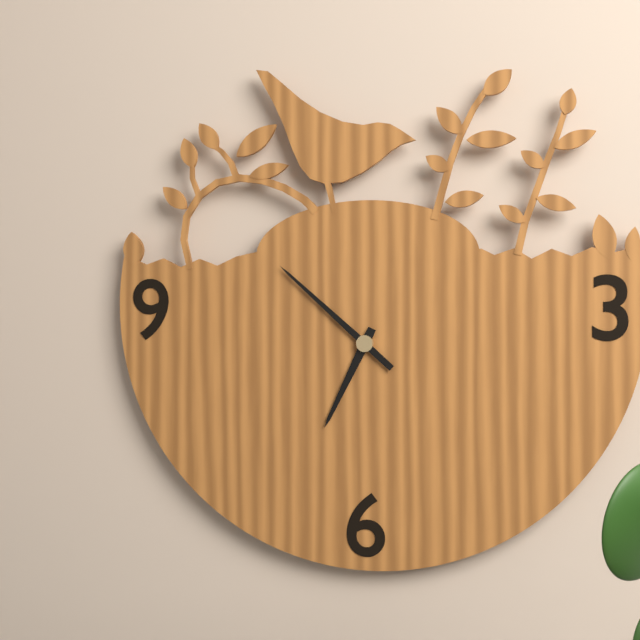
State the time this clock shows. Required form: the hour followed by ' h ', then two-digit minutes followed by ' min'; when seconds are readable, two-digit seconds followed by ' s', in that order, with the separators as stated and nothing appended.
6 h 52 min
